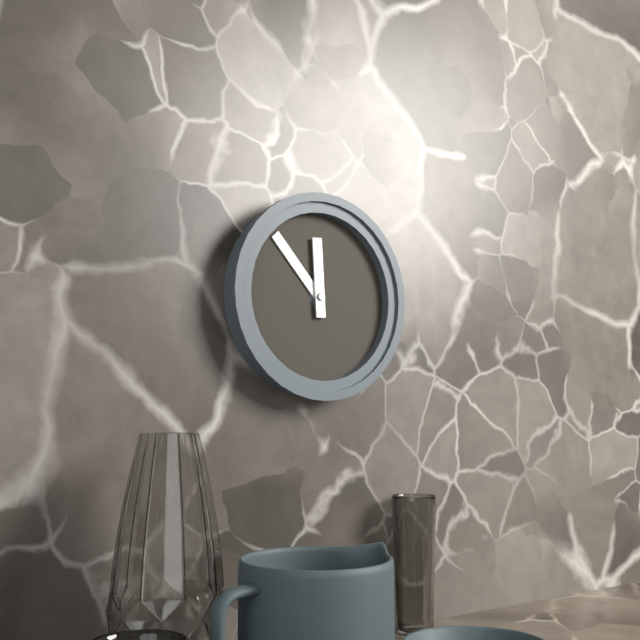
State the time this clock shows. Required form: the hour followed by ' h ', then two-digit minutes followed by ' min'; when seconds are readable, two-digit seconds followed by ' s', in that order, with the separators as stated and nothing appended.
11 h 53 min
